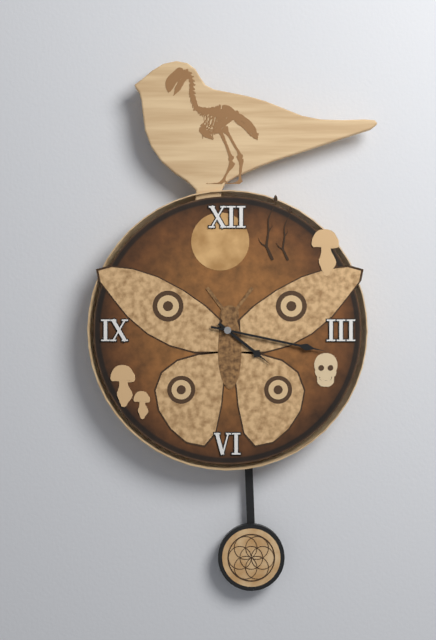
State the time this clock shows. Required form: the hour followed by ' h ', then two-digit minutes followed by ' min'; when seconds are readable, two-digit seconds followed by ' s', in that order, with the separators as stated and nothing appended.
4 h 17 min
